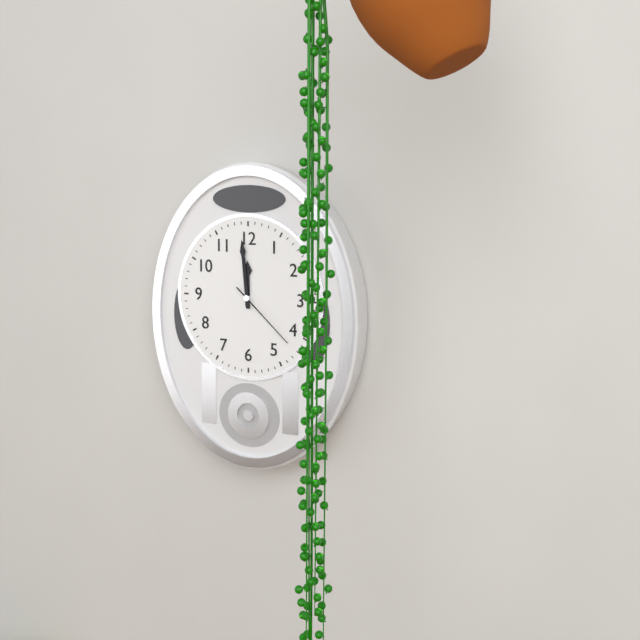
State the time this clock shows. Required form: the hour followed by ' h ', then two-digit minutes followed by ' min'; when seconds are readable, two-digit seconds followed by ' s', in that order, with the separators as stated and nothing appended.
11 h 59 min 22 s
